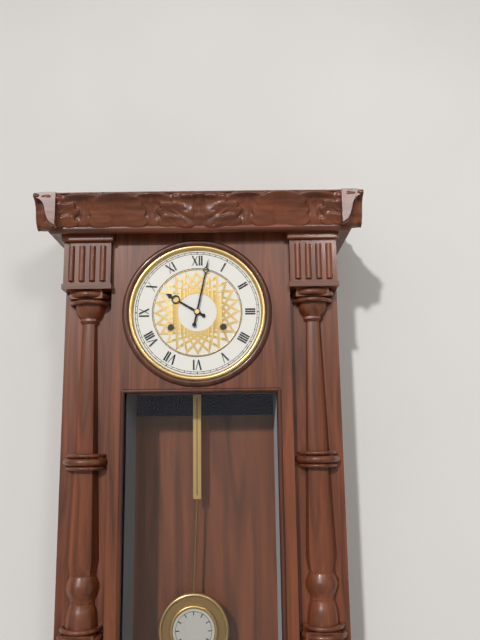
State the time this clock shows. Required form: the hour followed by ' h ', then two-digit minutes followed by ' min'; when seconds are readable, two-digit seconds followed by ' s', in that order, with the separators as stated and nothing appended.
10 h 02 min
